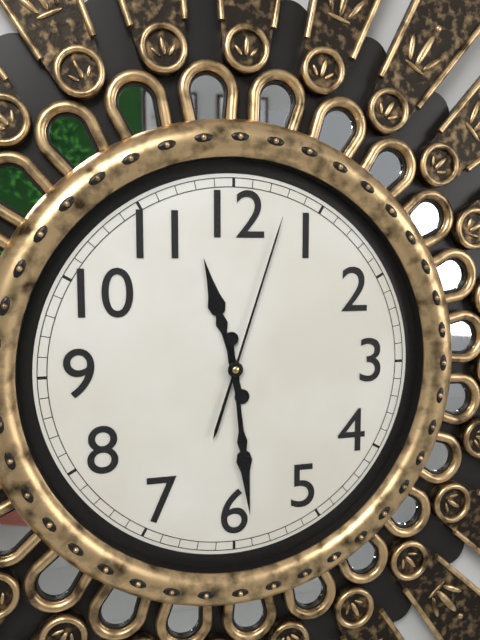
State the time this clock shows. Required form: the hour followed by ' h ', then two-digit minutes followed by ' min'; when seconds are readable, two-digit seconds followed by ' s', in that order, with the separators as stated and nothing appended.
11 h 29 min 03 s
